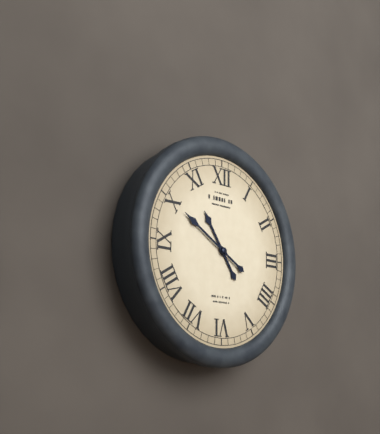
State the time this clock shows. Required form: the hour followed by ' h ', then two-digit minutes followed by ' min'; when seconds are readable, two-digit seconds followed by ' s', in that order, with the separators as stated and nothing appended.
10 h 50 min
